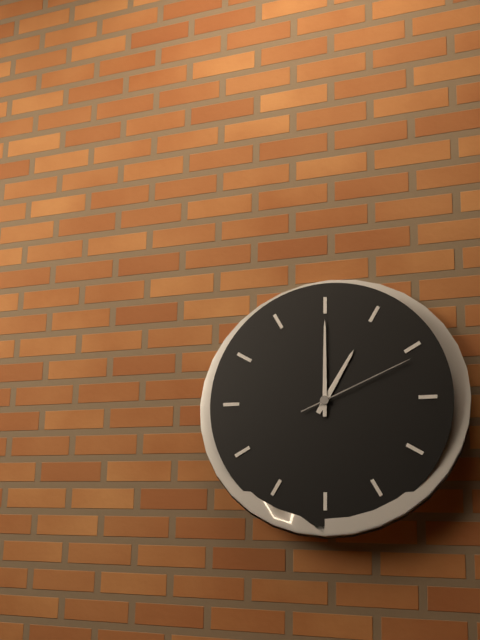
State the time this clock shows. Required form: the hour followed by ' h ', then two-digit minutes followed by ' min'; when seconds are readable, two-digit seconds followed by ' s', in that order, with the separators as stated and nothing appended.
1 h 00 min 11 s
